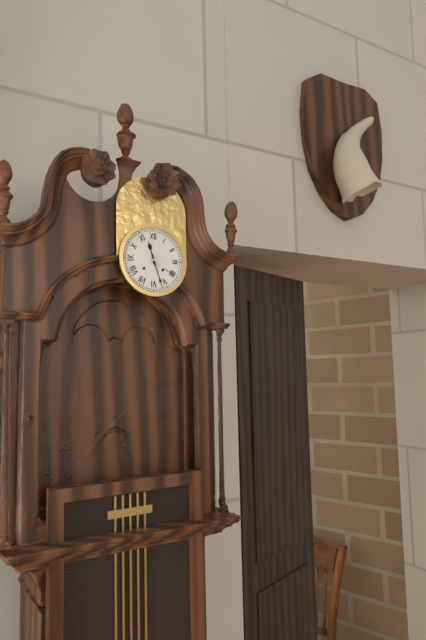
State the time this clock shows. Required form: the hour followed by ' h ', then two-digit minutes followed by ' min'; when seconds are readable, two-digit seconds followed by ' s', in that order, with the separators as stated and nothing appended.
11 h 27 min
